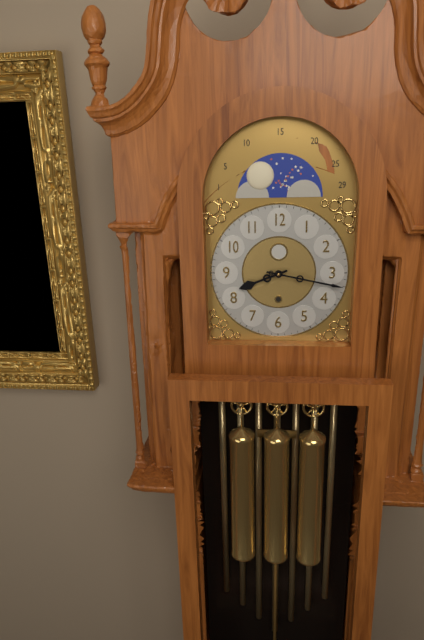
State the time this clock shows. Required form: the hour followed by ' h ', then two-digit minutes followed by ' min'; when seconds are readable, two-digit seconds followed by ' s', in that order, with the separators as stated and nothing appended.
8 h 17 min
